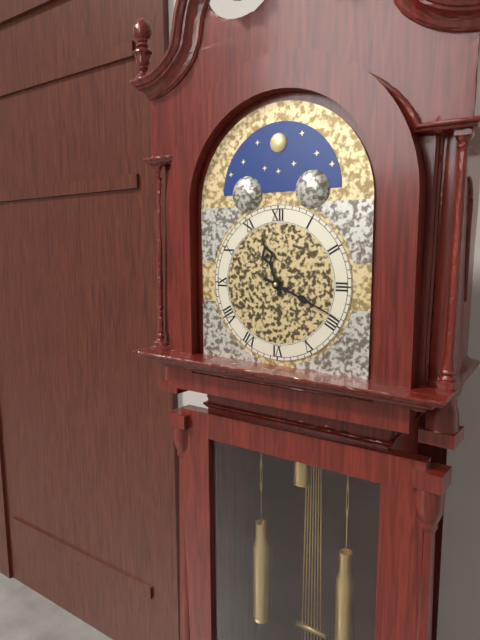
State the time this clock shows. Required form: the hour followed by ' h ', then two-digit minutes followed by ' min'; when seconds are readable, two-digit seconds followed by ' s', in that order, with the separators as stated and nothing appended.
11 h 19 min
